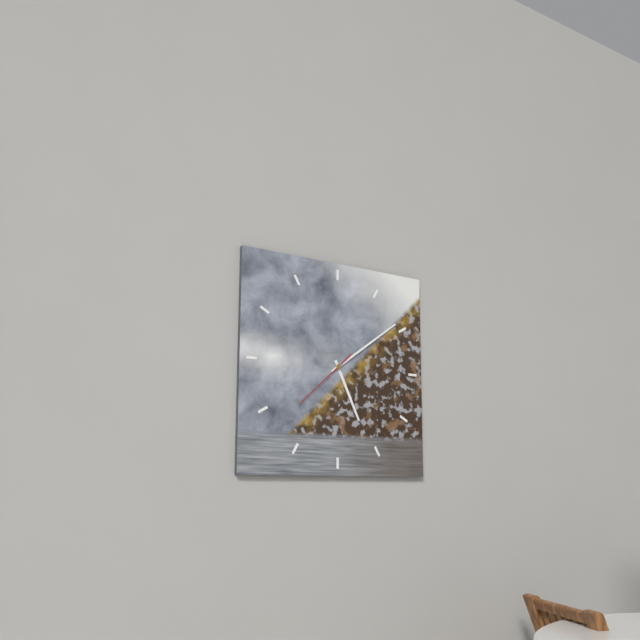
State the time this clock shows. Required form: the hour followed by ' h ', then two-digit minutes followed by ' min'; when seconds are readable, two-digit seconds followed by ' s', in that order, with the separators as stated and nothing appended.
5 h 09 min 38 s
